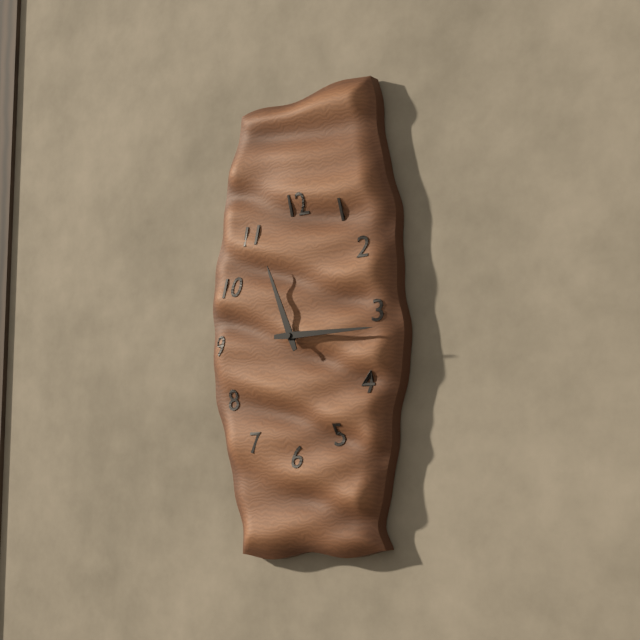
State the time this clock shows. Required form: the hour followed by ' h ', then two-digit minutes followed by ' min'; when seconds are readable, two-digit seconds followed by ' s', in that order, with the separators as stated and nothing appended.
11 h 15 min
